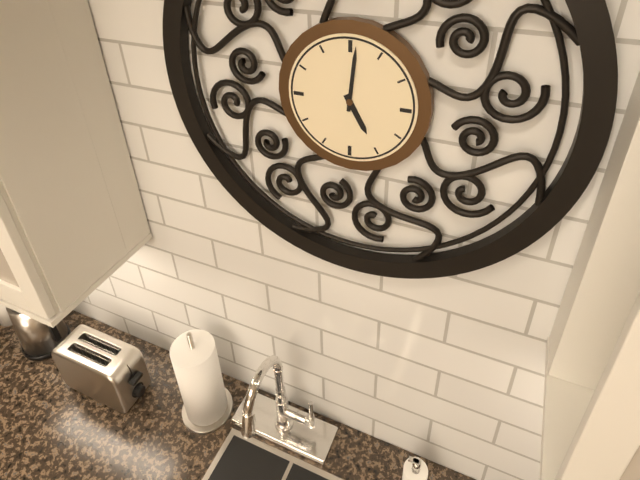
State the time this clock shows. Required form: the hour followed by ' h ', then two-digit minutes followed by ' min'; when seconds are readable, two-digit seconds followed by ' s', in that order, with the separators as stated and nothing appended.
5 h 01 min
